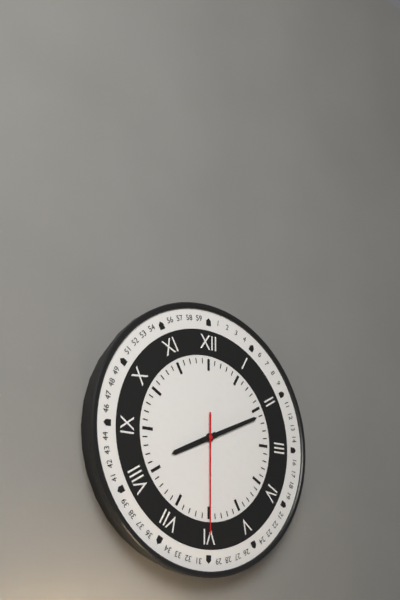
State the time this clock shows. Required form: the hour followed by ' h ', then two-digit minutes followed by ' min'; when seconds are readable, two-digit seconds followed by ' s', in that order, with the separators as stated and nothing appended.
8 h 11 min 30 s
